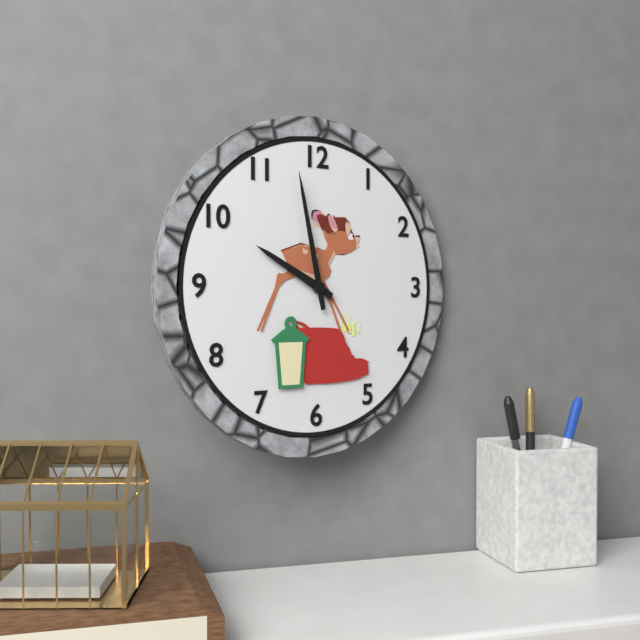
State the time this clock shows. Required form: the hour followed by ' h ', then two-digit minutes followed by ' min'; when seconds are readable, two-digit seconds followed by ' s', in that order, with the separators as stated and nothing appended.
9 h 58 min
